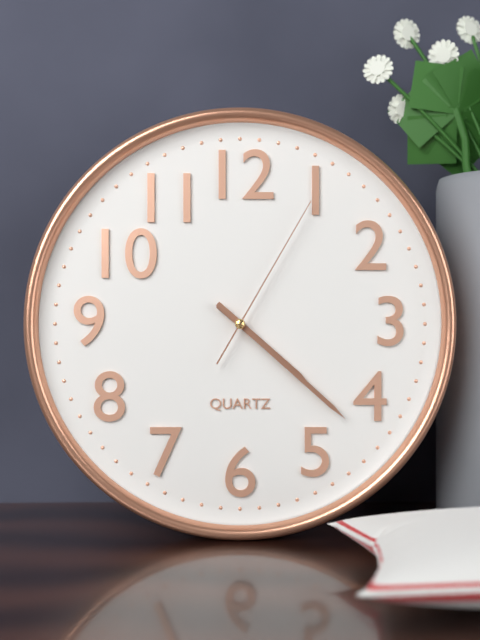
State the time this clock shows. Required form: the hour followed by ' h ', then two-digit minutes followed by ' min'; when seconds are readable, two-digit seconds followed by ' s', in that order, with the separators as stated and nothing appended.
4 h 22 min 05 s
